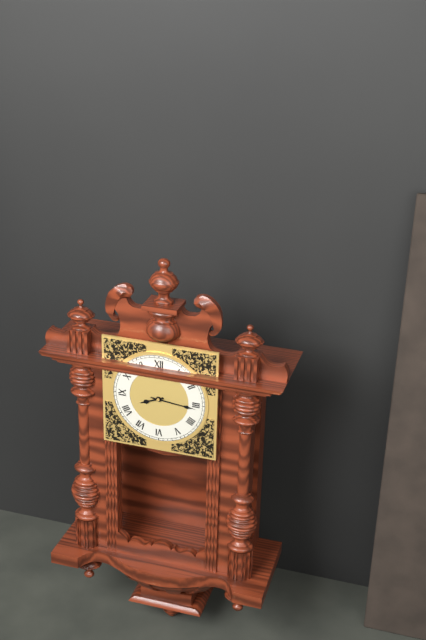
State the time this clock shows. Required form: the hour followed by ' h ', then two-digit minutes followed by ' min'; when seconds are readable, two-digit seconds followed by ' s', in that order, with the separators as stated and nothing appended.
8 h 16 min
